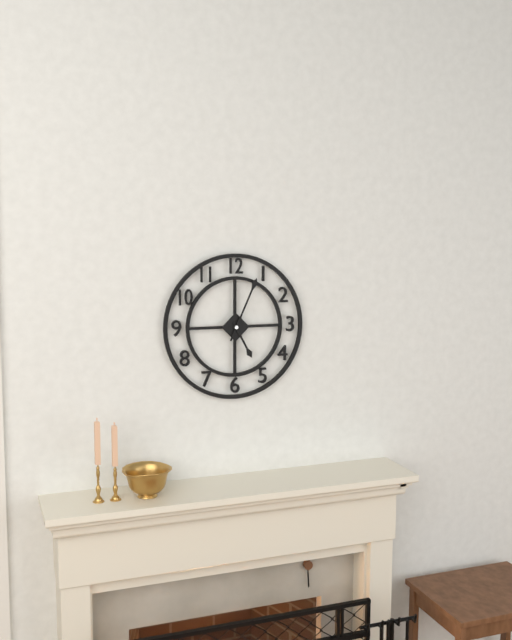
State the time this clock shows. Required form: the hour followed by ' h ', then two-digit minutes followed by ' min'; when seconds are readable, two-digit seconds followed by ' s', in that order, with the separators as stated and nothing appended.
5 h 04 min
